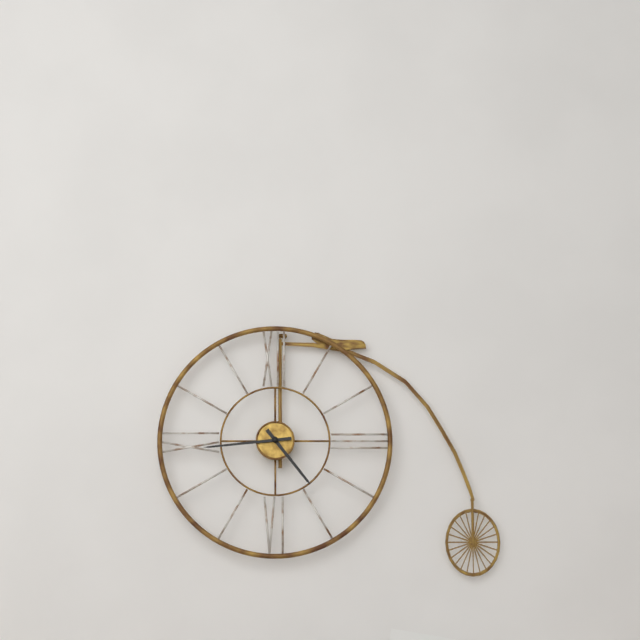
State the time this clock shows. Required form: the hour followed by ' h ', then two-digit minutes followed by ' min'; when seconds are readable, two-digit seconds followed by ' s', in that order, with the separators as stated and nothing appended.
4 h 44 min
